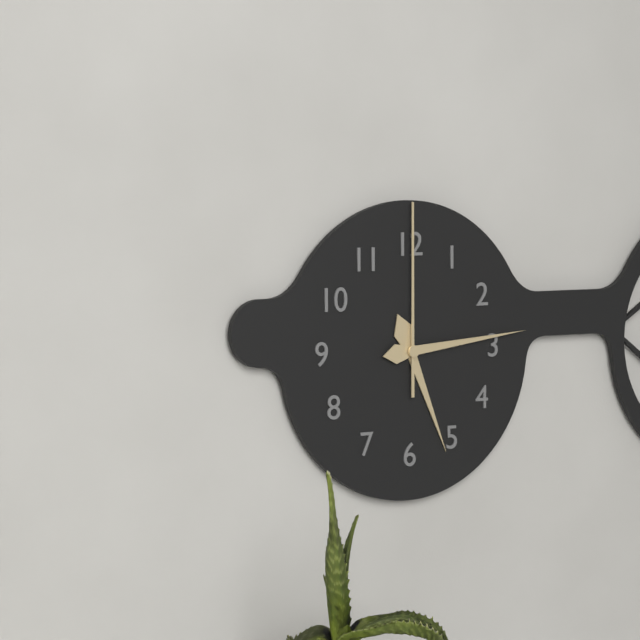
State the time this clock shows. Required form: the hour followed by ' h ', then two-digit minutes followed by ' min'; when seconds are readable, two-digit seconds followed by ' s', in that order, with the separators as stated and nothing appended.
5 h 14 min 00 s
